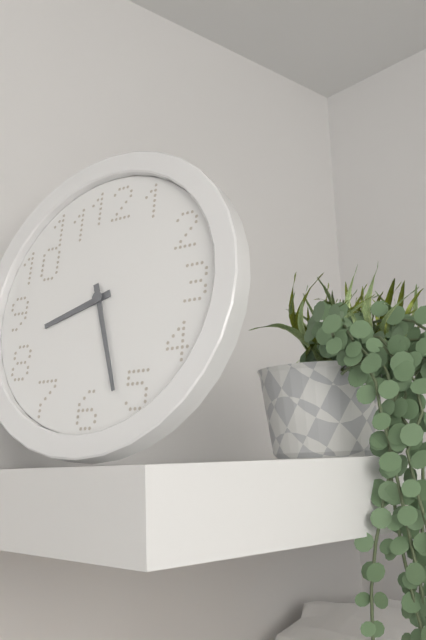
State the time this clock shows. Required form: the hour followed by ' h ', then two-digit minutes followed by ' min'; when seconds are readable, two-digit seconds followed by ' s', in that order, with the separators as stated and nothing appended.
8 h 27 min
